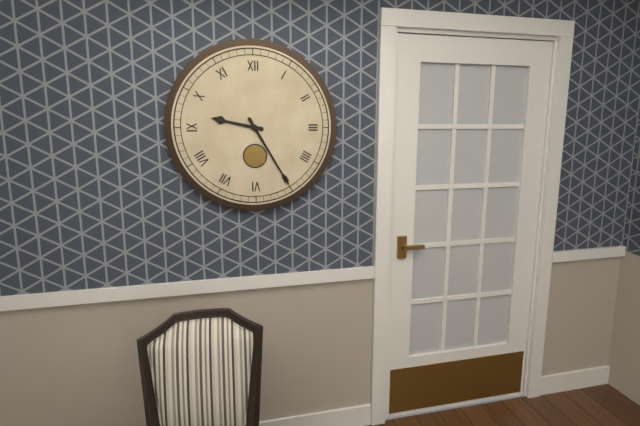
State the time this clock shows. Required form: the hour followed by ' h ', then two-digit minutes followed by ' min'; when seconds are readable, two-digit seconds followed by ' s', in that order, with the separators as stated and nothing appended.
9 h 25 min
